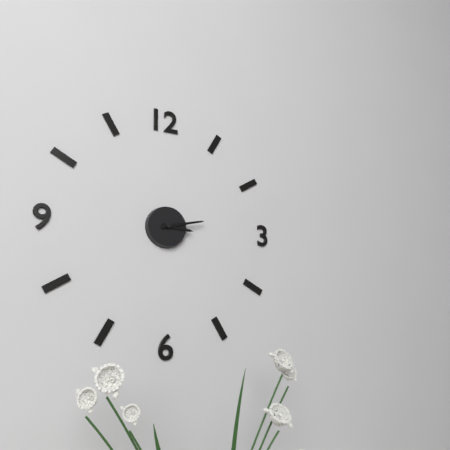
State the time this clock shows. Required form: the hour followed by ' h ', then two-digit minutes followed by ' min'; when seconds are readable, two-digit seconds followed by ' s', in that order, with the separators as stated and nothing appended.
3 h 13 min
